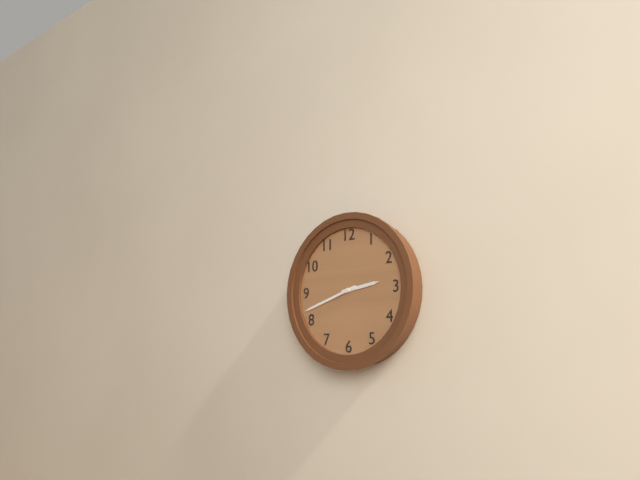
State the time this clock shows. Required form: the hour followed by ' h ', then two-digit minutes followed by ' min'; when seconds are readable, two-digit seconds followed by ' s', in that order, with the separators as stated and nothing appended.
2 h 42 min
